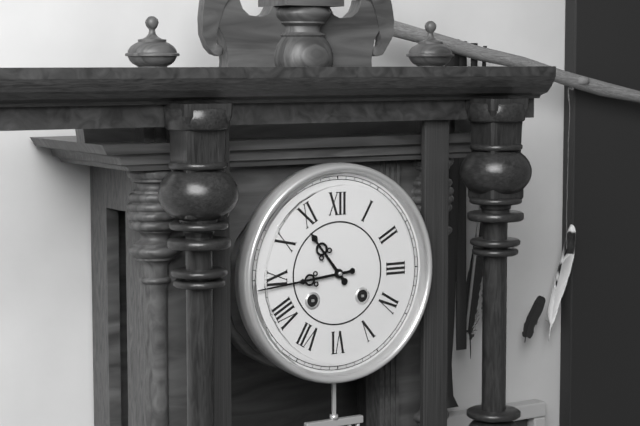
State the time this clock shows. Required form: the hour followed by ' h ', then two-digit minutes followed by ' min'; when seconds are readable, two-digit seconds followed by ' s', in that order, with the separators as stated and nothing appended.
10 h 44 min
